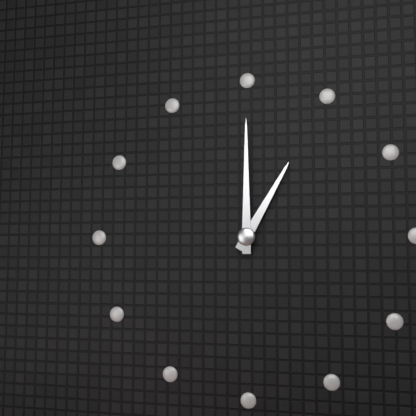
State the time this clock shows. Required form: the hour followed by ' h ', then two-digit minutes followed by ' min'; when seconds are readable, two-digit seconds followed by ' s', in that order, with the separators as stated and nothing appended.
1 h 00 min
